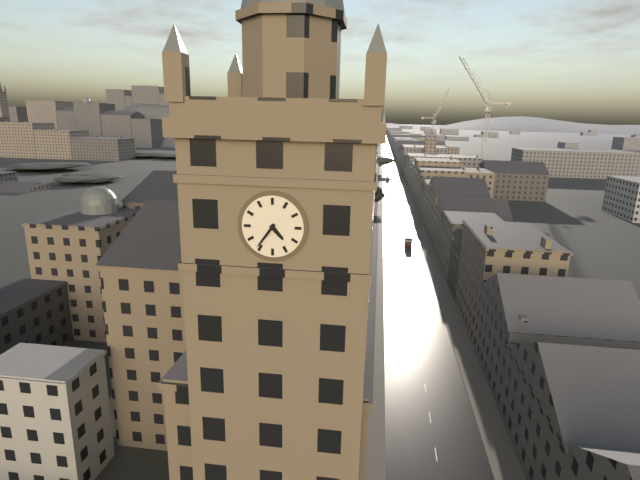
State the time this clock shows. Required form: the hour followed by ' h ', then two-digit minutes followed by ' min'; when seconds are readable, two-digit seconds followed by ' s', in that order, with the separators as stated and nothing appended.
4 h 36 min
